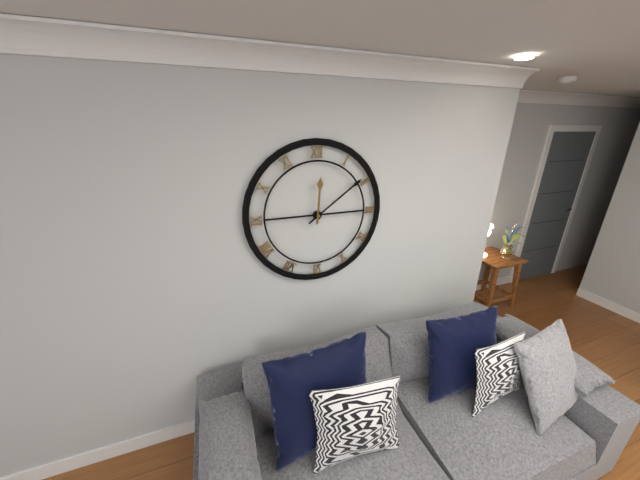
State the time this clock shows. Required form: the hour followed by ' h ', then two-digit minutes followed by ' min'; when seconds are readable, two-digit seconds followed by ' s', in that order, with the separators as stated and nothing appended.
12 h 09 min
